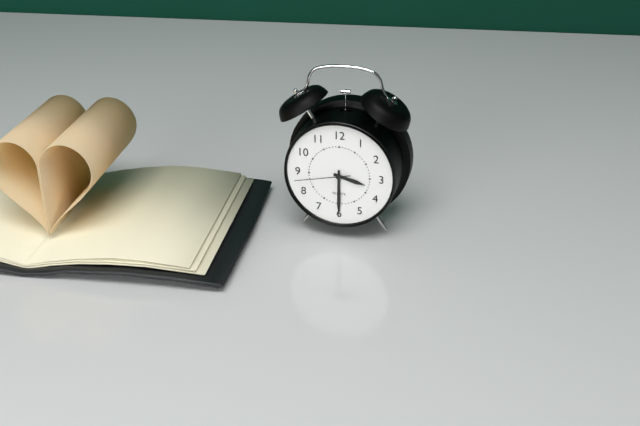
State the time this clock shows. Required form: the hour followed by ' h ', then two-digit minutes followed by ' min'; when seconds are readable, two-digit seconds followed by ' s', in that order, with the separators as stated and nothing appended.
3 h 30 min 43 s
